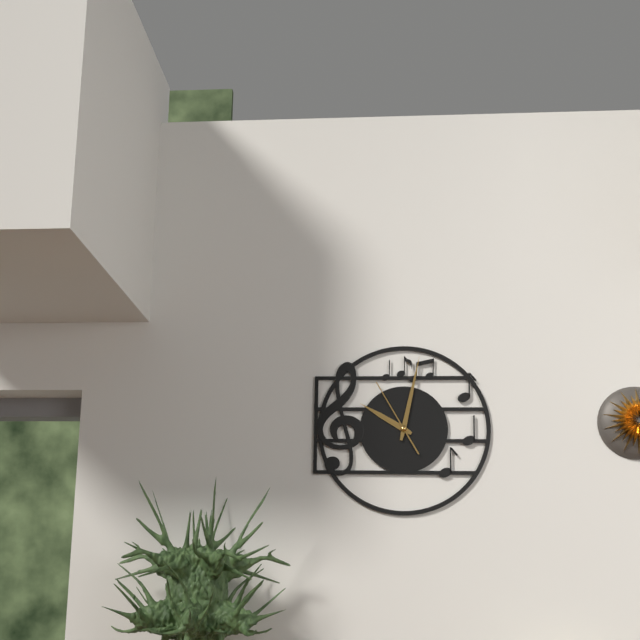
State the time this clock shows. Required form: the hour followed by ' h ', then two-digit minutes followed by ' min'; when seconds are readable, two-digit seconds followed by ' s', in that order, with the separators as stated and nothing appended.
10 h 02 min 55 s
